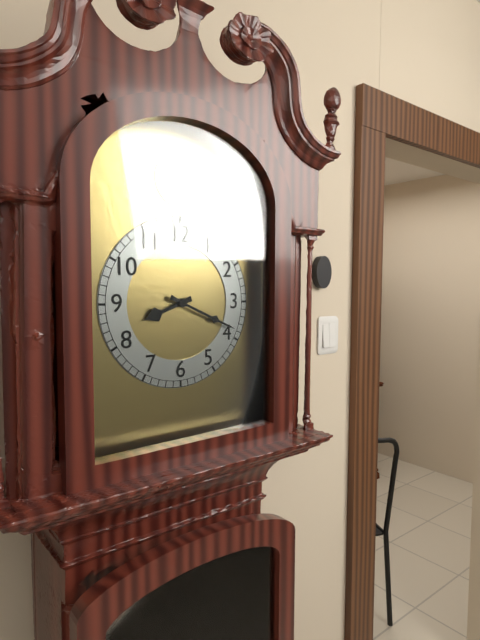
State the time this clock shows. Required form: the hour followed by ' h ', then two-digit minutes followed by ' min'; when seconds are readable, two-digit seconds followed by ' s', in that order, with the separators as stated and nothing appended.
8 h 19 min
